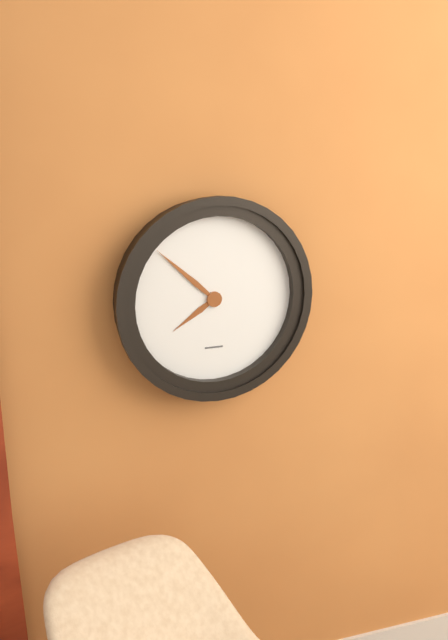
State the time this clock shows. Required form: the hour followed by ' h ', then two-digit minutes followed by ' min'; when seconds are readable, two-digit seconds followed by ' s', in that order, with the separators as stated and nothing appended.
7 h 52 min
